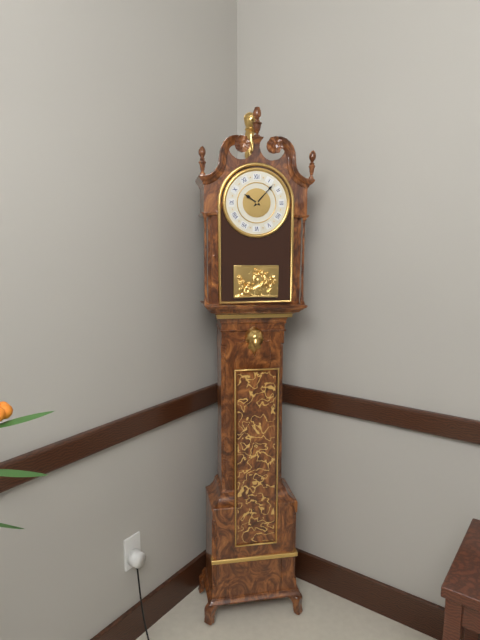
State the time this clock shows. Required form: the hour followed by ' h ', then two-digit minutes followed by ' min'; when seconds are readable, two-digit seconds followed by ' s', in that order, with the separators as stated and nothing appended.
10 h 07 min
